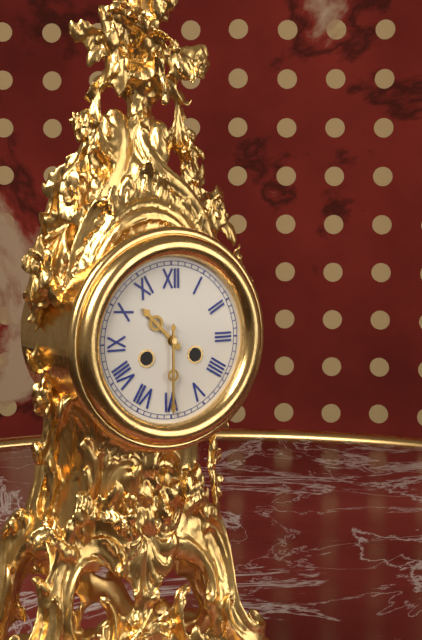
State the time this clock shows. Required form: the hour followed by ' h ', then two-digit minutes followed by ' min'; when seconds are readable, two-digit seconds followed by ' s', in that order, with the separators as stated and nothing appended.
10 h 30 min
